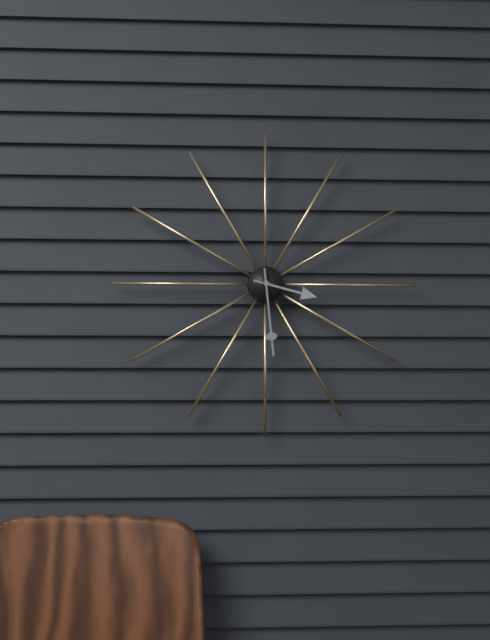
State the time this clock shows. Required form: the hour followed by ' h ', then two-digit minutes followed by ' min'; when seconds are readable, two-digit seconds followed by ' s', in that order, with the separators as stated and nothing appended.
3 h 29 min
